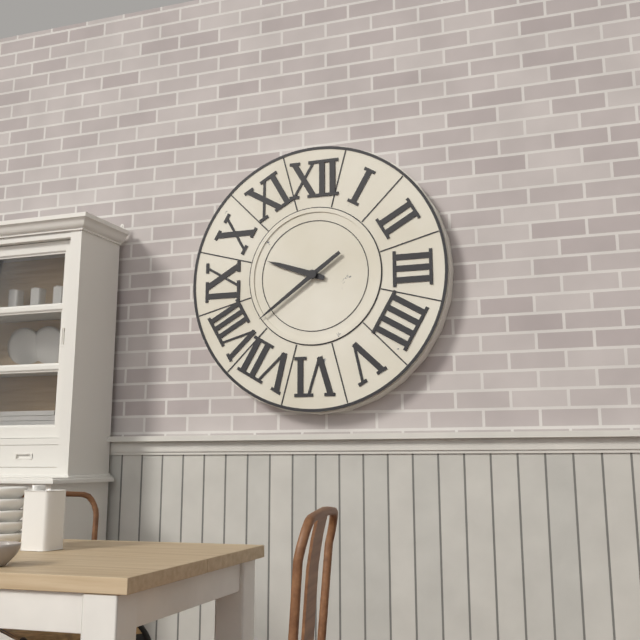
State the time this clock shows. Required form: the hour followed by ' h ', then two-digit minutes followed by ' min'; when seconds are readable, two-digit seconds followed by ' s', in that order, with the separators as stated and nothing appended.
9 h 39 min
